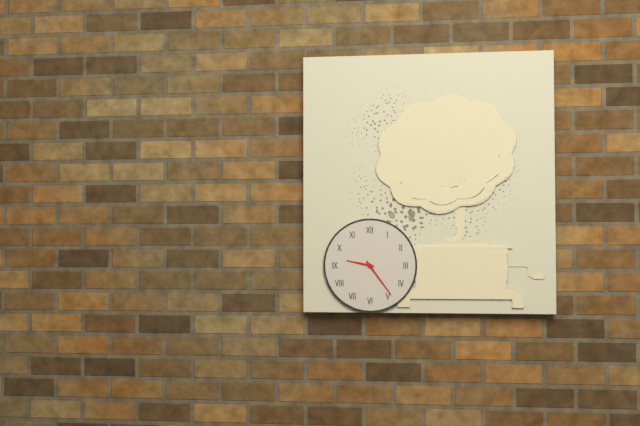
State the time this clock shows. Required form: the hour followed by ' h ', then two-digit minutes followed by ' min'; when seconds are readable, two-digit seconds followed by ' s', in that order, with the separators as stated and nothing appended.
9 h 24 min
